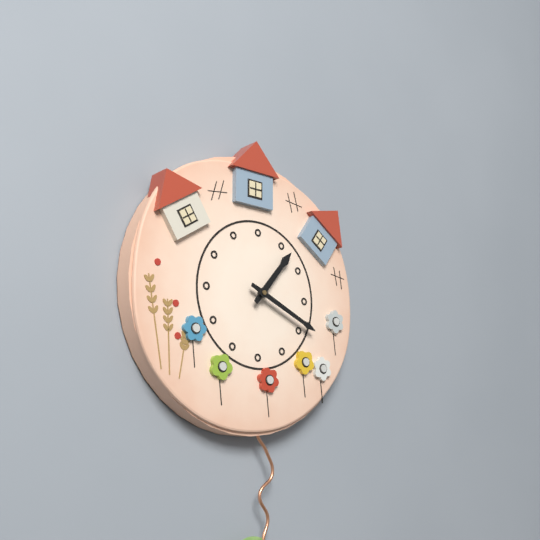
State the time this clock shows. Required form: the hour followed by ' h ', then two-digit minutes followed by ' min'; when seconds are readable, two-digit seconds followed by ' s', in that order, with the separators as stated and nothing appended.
1 h 19 min
